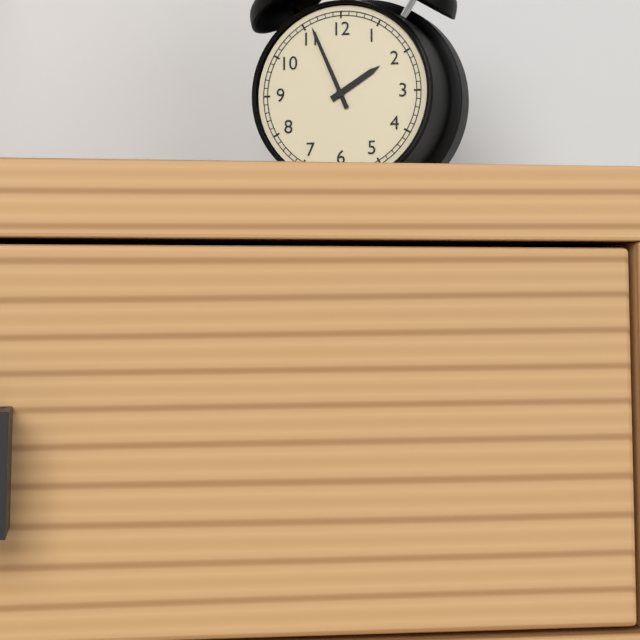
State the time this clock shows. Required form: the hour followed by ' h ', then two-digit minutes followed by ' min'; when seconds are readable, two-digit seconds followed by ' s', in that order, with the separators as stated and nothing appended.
1 h 56 min
